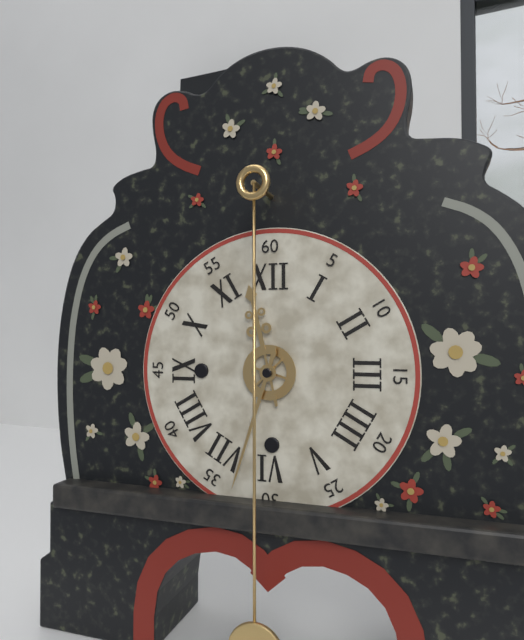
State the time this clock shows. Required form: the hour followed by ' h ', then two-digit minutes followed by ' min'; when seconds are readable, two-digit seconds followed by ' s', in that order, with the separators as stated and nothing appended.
11 h 33 min
